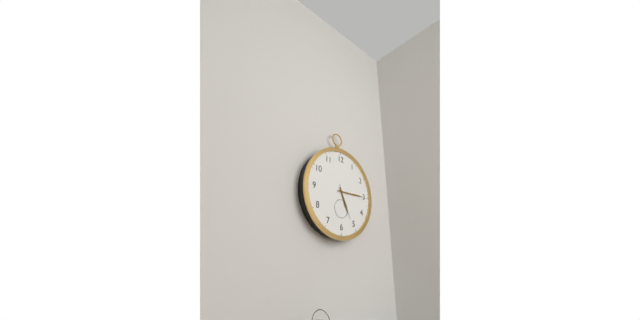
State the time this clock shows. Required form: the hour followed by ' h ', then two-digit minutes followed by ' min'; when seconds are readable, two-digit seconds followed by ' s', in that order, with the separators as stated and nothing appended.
5 h 15 min
